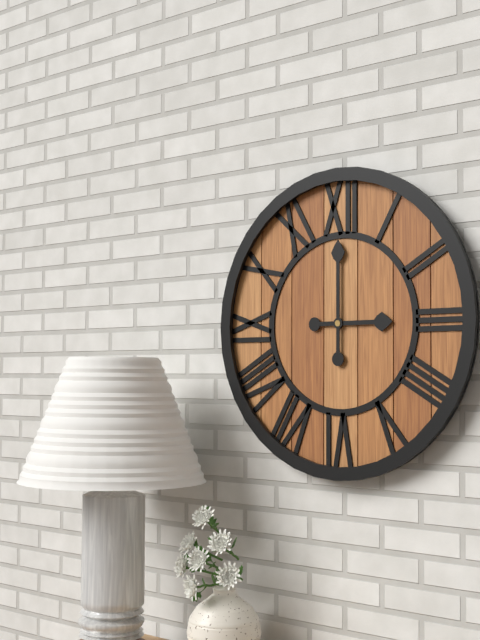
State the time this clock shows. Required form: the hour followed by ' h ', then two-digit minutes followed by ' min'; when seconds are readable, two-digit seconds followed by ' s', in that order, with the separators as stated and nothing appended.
3 h 00 min
